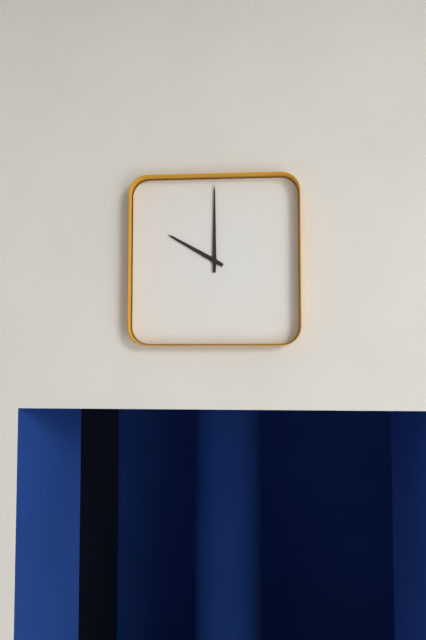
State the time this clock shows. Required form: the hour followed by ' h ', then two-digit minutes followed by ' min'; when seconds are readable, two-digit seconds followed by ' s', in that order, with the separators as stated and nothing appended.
10 h 00 min
